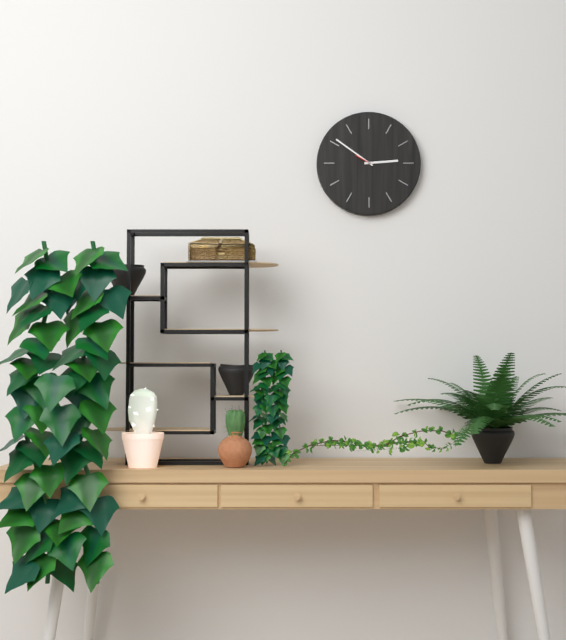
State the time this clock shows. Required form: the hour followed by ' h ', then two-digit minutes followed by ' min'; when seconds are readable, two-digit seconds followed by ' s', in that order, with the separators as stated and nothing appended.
2 h 51 min
